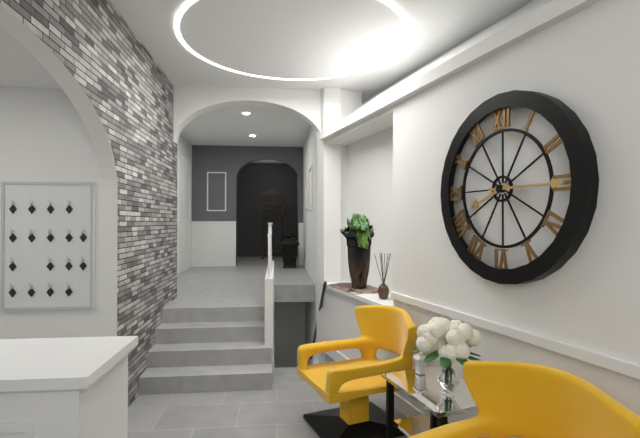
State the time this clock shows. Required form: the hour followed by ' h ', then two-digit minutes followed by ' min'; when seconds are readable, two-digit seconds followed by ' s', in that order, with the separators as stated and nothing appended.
8 h 15 min
